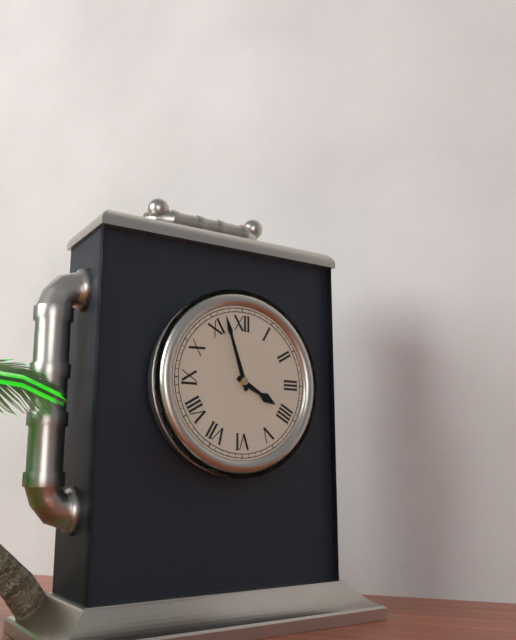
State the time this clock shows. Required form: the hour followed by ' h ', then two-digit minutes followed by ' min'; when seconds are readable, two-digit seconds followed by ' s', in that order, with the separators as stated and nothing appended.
3 h 57 min
